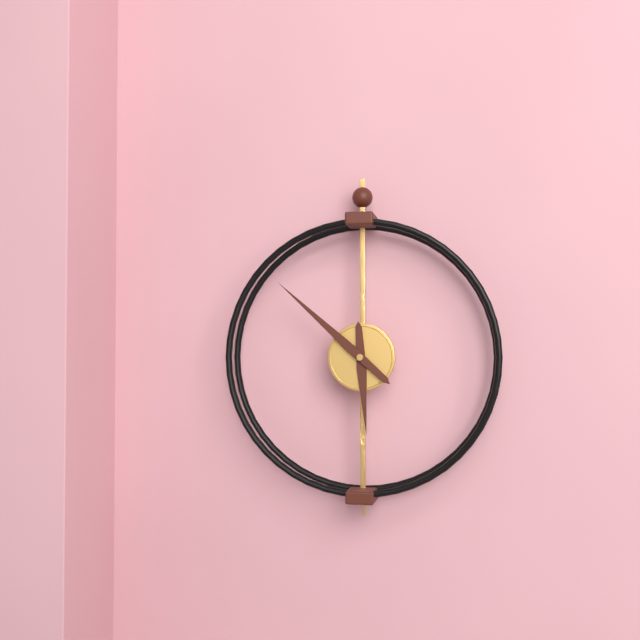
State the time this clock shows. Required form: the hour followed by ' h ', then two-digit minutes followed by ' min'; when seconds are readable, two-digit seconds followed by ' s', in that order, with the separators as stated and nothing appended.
5 h 52 min
